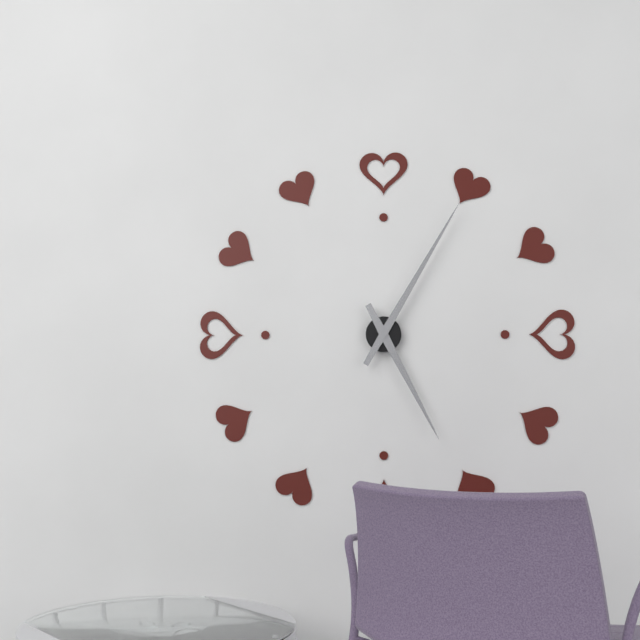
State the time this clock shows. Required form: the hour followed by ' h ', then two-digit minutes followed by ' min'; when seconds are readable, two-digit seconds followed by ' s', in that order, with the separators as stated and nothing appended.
5 h 05 min
